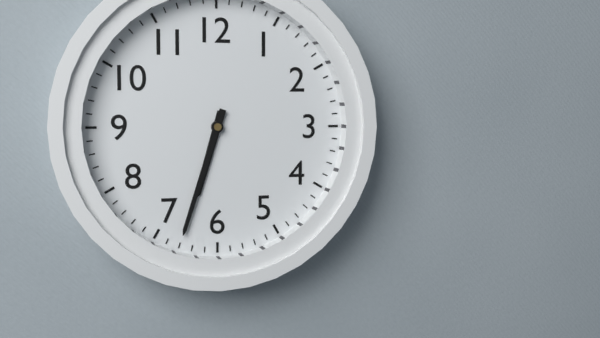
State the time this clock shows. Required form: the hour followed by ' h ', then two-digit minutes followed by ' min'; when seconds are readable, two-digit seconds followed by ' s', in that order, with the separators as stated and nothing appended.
6 h 33 min
